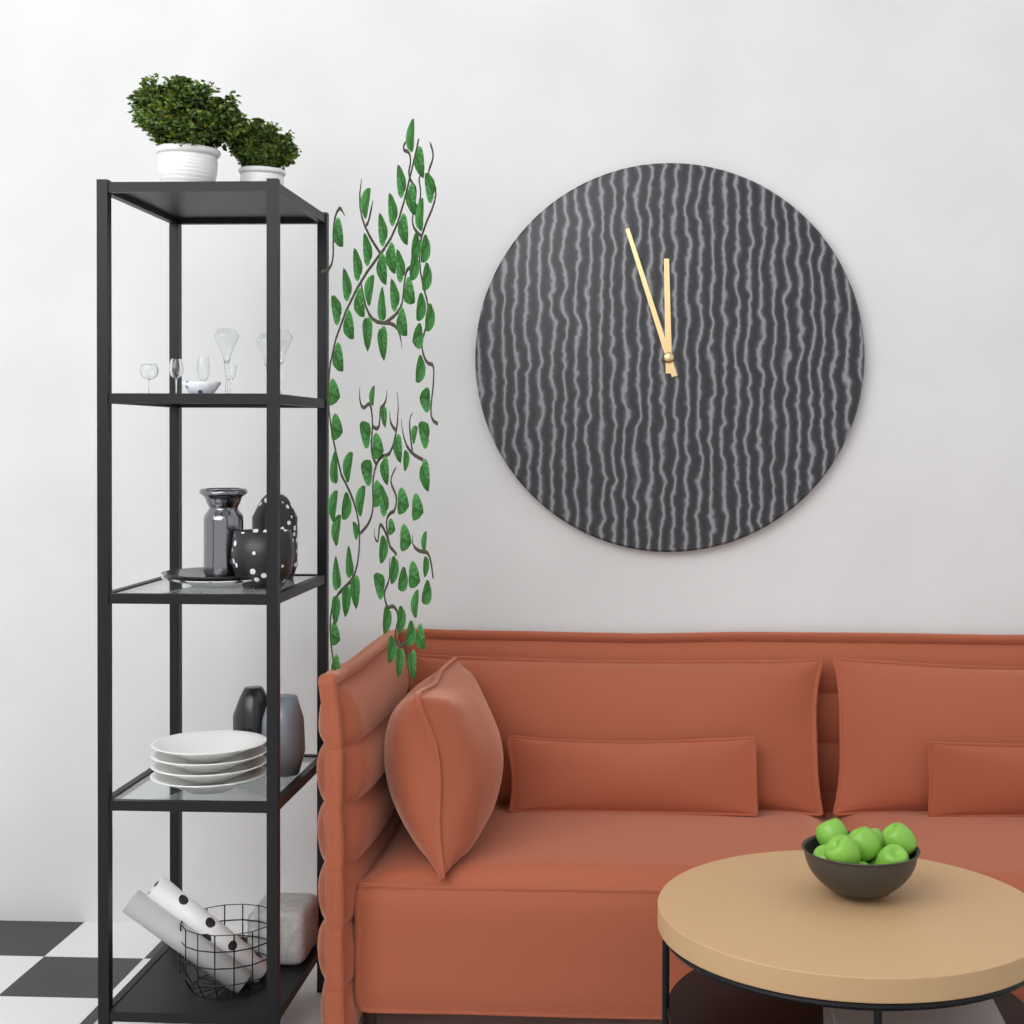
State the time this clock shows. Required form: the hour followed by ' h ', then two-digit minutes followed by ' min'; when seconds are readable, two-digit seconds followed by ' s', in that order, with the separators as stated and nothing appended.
11 h 57 min
